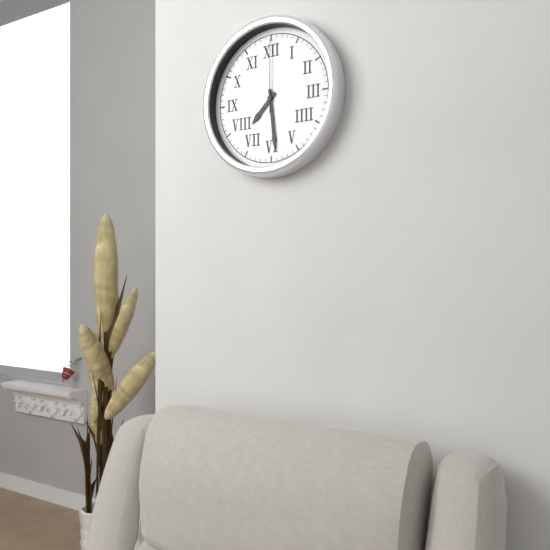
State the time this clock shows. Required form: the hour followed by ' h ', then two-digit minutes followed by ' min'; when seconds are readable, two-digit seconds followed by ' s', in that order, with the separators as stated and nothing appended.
7 h 29 min 00 s
